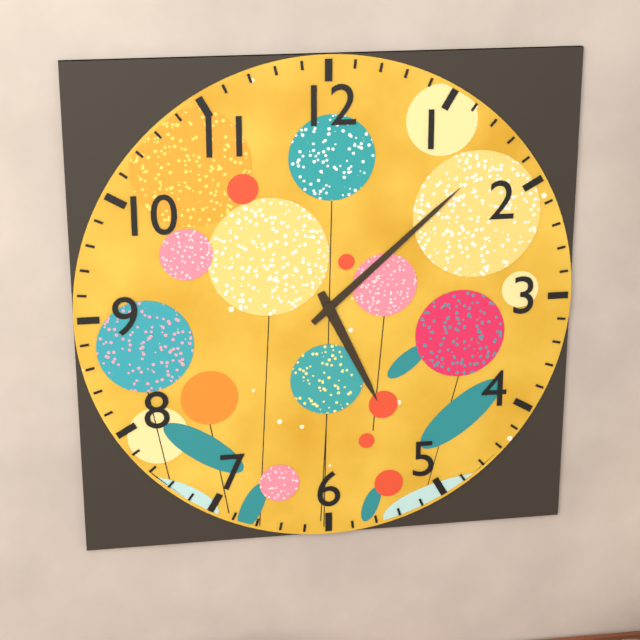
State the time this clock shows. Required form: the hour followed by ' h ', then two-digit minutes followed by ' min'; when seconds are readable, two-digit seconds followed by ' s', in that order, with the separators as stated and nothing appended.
5 h 08 min
